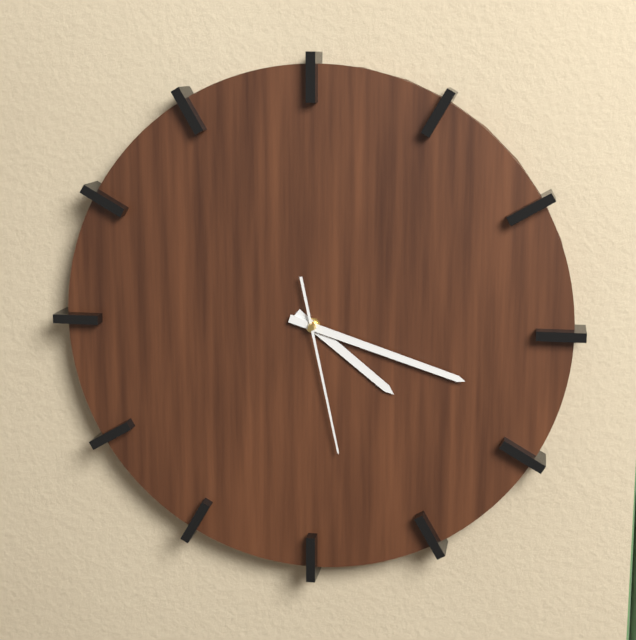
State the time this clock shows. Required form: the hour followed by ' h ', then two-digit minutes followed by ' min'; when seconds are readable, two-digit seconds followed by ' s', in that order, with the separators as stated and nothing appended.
4 h 18 min 28 s
